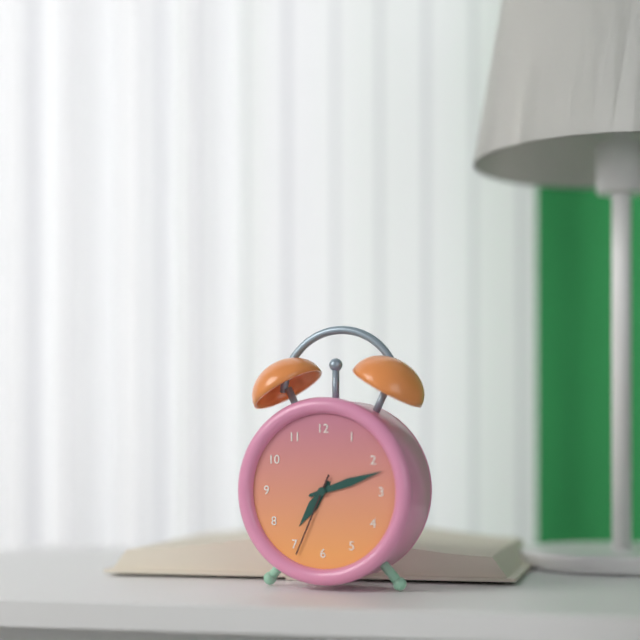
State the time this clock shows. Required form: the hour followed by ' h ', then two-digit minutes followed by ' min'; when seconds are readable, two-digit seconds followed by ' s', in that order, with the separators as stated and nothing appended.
7 h 12 min 34 s
